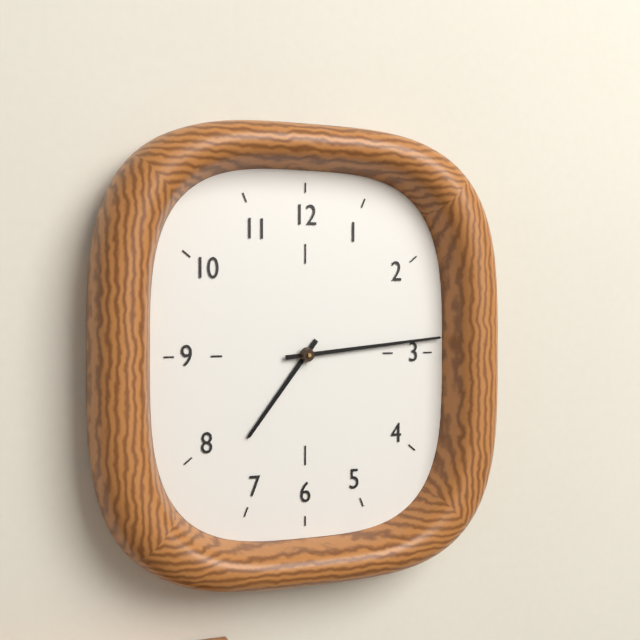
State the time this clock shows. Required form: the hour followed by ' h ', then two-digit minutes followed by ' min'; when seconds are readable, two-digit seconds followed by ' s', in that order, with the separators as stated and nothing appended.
7 h 14 min
